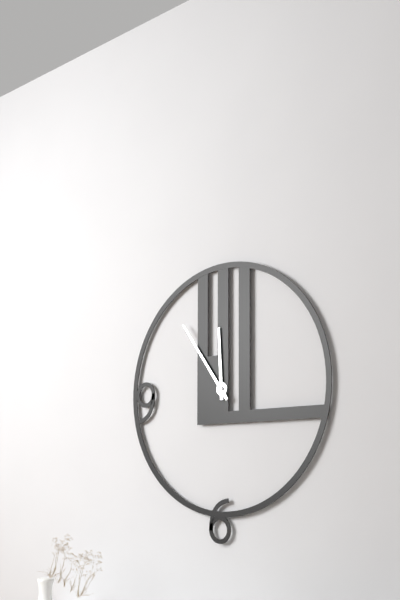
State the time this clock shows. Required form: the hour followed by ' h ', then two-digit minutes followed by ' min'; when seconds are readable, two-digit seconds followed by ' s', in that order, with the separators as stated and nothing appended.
11 h 54 min
